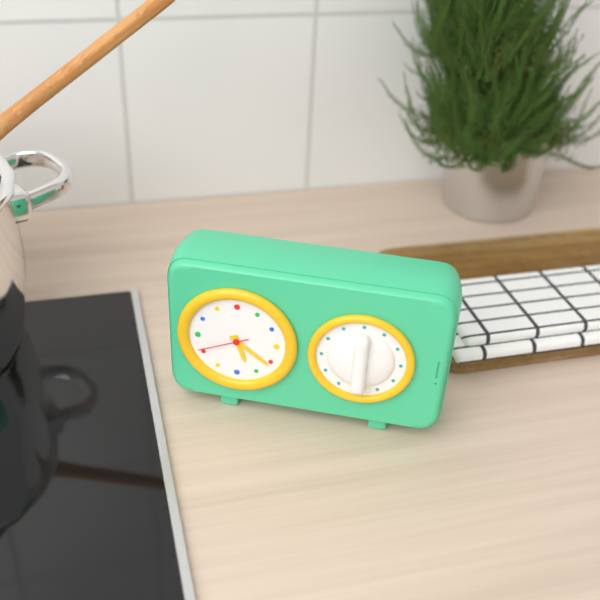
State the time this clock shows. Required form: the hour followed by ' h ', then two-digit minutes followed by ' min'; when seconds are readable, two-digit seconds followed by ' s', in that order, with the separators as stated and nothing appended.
5 h 21 min 41 s
